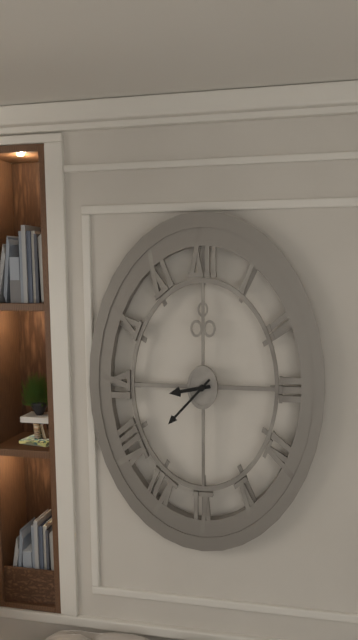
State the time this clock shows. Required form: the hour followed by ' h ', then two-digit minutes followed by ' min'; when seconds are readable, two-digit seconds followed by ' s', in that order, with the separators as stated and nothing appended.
8 h 37 min
